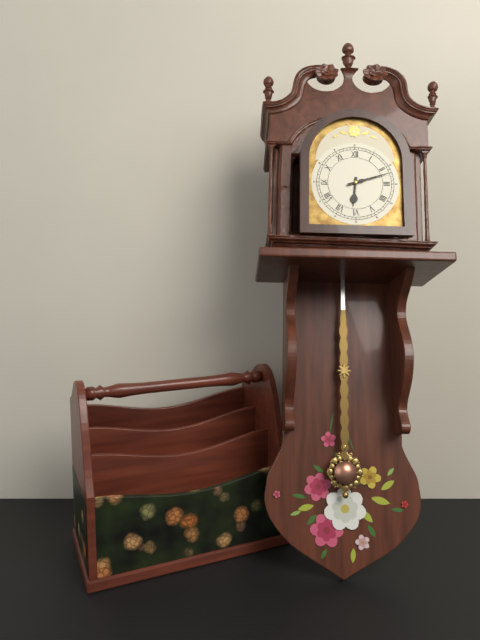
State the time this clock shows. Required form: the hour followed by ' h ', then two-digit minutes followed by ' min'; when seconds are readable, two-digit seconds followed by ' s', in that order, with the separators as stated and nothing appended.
6 h 12 min
